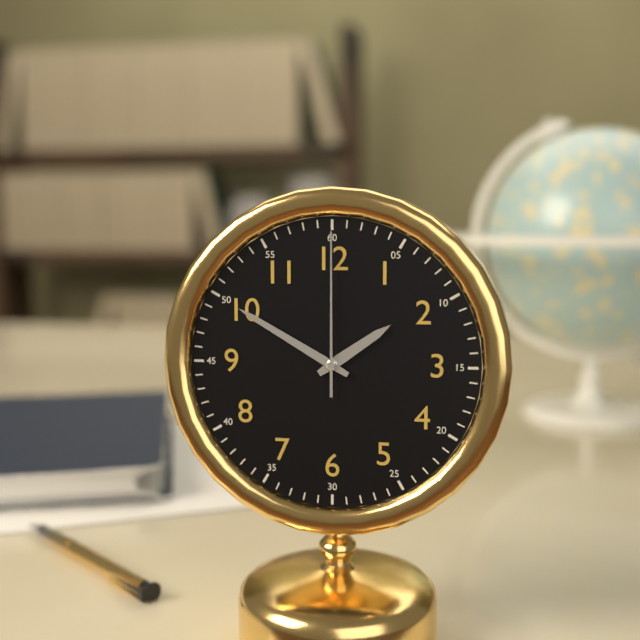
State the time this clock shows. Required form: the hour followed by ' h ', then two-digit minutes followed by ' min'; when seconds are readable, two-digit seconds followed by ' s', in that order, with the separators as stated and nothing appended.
1 h 50 min 00 s
